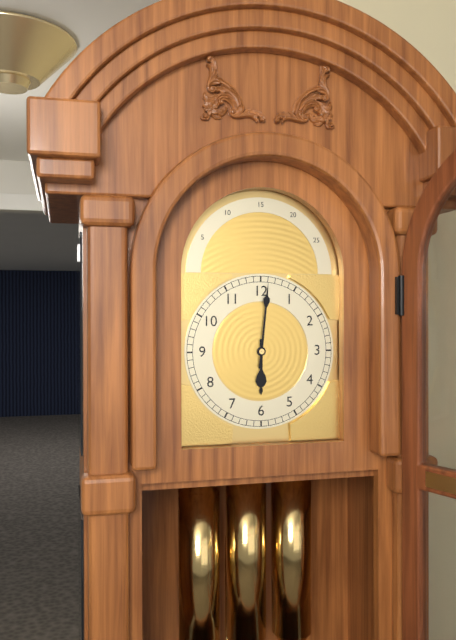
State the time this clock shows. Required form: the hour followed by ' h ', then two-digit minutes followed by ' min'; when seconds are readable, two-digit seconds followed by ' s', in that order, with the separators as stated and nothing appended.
6 h 01 min
